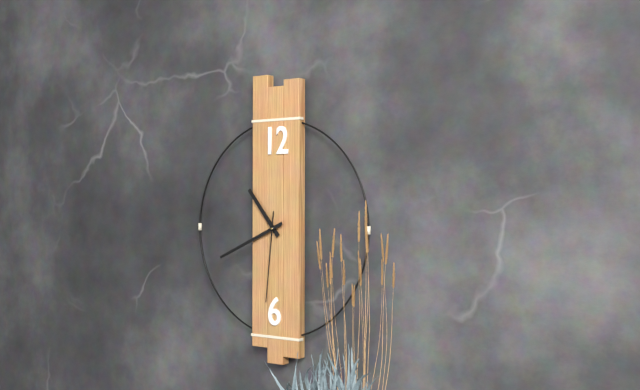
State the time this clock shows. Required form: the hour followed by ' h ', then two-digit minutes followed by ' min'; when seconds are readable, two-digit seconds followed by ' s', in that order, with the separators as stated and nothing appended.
10 h 41 min 31 s
